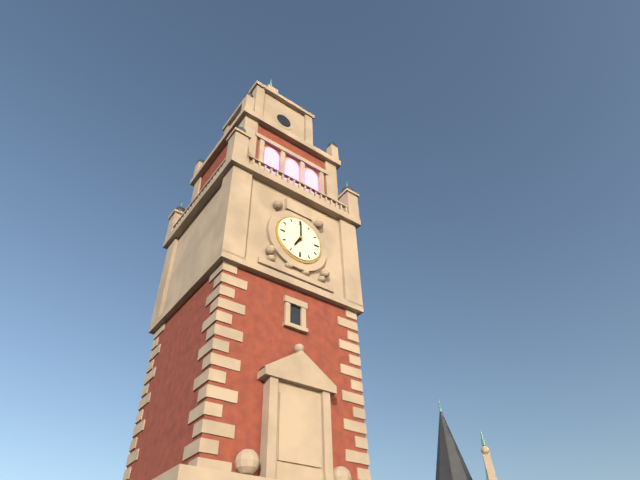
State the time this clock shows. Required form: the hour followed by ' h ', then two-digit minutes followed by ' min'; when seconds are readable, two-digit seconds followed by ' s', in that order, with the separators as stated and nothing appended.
7 h 00 min
